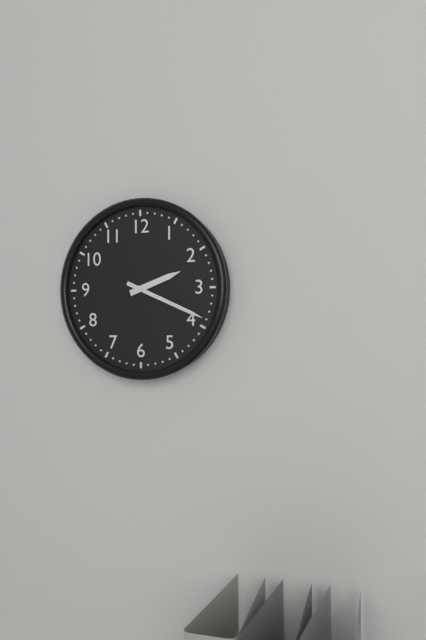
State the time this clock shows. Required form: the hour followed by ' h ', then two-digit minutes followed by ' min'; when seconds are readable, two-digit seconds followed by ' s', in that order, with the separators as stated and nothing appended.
2 h 19 min
